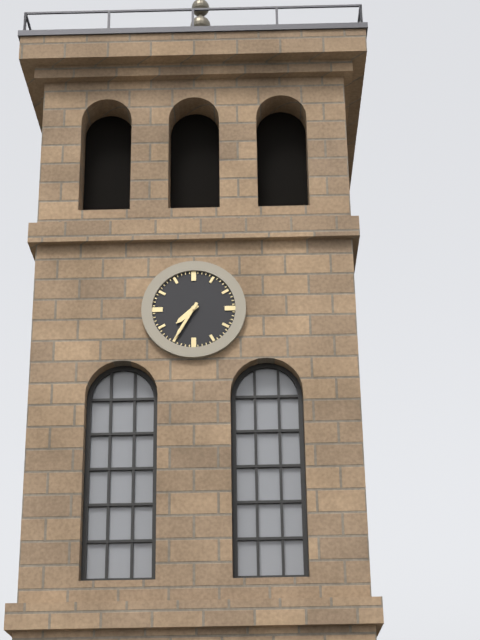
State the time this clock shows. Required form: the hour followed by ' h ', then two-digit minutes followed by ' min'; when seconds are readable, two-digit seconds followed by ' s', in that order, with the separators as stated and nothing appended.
7 h 35 min
